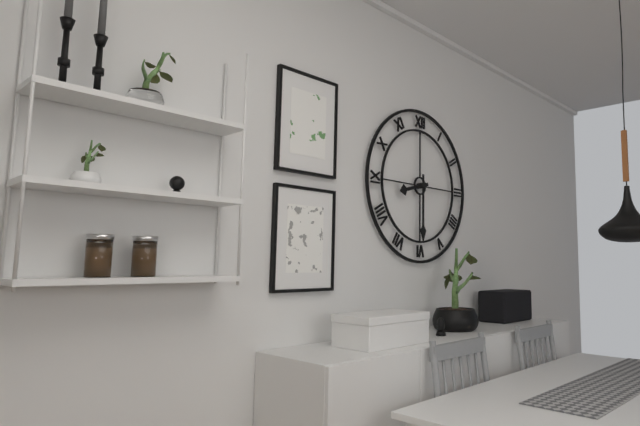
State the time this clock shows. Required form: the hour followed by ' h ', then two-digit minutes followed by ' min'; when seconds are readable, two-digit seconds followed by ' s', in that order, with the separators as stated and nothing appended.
8 h 30 min
